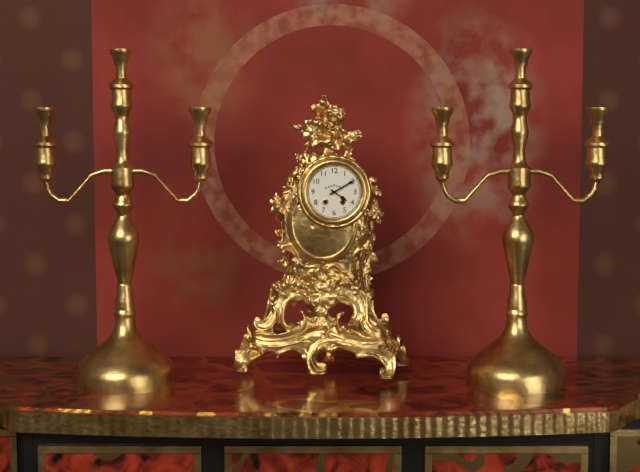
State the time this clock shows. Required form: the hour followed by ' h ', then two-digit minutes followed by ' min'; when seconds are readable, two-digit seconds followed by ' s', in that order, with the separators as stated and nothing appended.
4 h 10 min
